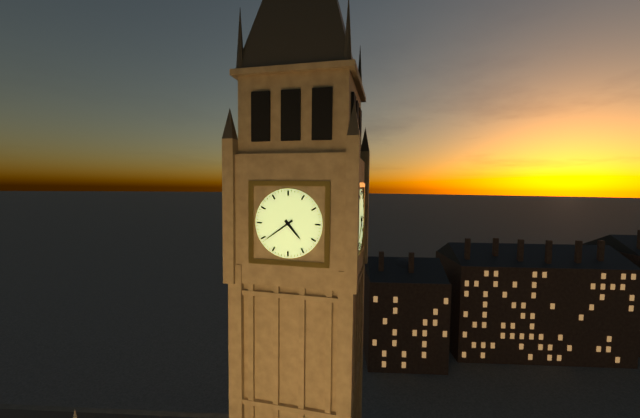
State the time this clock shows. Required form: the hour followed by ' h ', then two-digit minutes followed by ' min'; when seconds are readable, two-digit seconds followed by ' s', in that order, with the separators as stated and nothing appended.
4 h 39 min
